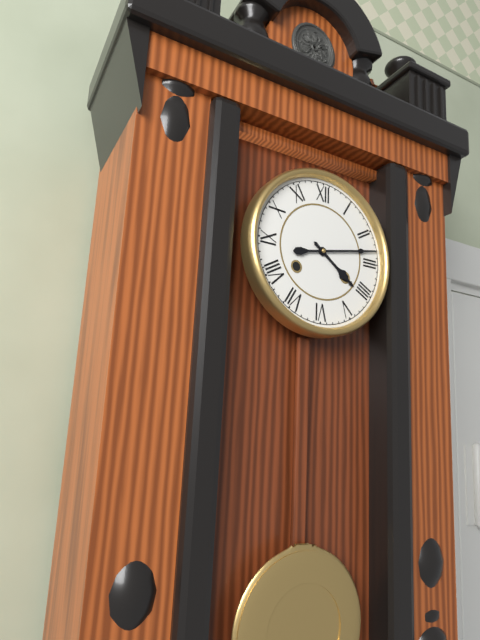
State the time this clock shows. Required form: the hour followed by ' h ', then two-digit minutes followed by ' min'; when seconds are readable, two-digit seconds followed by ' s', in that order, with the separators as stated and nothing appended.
4 h 13 min
